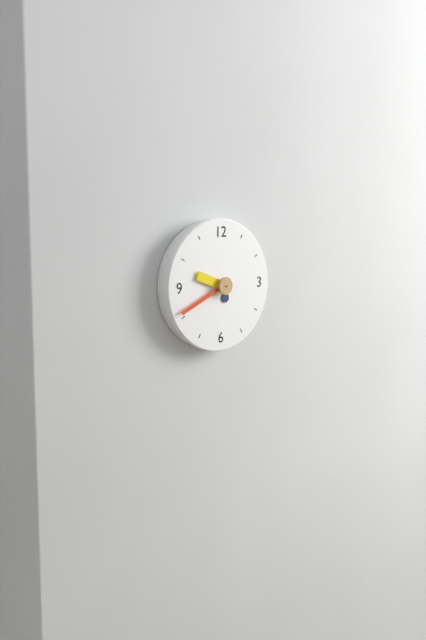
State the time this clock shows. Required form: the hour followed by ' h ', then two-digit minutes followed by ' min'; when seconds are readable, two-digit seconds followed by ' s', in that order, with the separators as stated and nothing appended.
9 h 41 min
